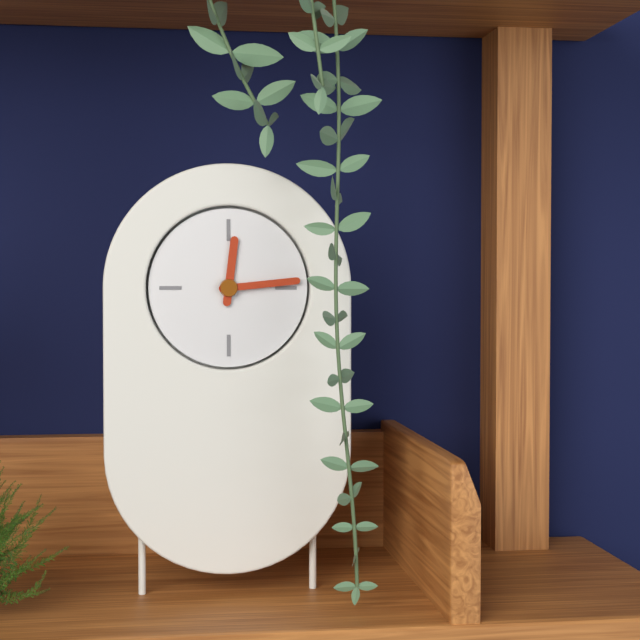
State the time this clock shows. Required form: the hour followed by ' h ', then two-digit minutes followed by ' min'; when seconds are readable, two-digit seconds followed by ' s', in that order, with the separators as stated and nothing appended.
12 h 14 min
